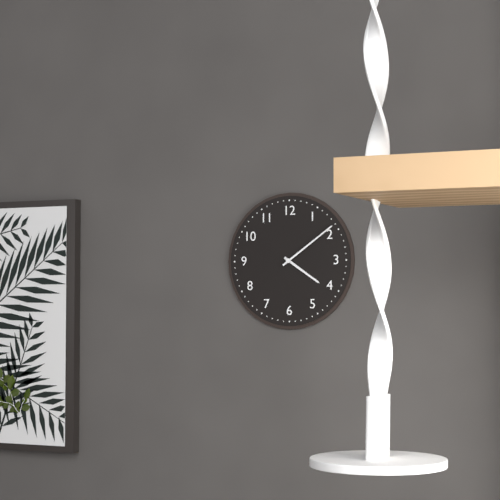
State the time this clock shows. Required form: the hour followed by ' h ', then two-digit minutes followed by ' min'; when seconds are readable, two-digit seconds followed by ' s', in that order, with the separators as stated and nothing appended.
4 h 09 min
